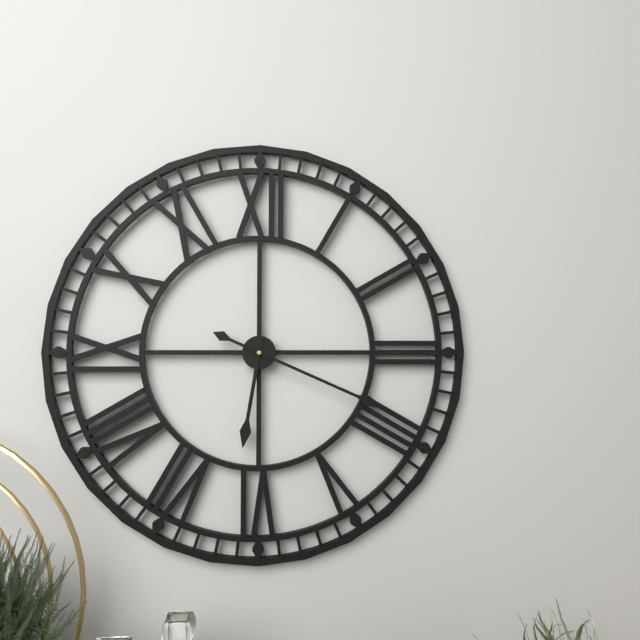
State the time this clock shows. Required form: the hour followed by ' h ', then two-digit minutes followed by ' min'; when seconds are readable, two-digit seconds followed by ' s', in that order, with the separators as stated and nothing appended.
6 h 19 min
